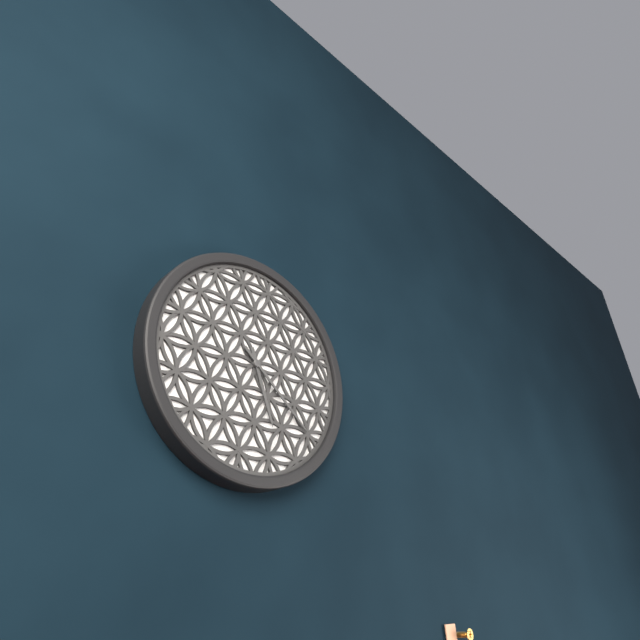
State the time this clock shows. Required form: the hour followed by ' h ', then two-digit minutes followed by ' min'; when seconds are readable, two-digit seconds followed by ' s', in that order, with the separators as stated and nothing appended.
5 h 22 min
